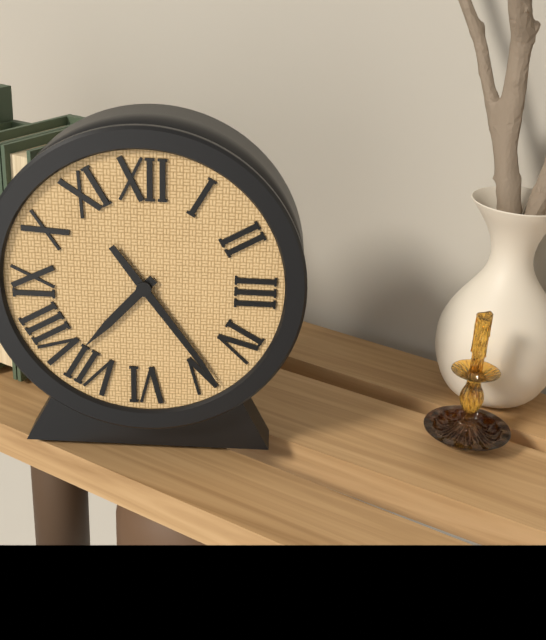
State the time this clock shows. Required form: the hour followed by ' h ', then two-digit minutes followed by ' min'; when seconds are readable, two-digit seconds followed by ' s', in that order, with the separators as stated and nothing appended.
7 h 24 min
